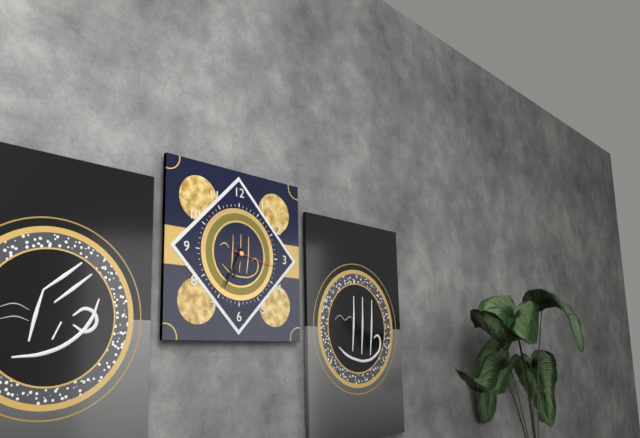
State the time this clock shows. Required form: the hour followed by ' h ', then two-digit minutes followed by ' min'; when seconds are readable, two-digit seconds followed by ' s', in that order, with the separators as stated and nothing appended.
6 h 35 min
